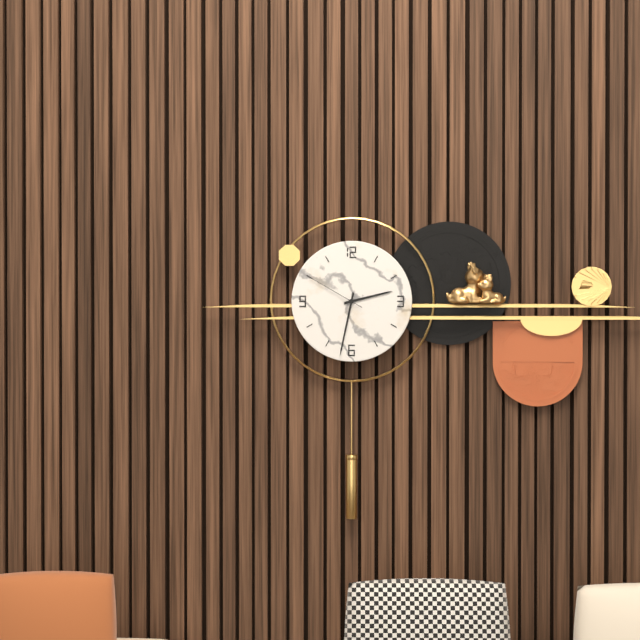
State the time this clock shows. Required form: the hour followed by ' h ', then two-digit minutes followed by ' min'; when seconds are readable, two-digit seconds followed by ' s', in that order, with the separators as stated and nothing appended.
2 h 32 min 50 s
